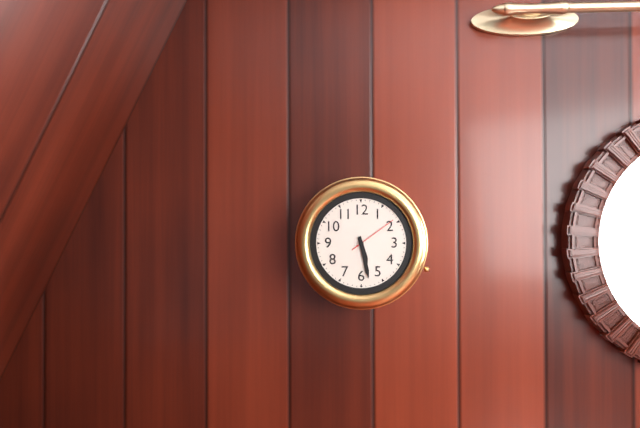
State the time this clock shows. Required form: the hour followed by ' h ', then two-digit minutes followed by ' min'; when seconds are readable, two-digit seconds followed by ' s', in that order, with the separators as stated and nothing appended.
5 h 28 min
